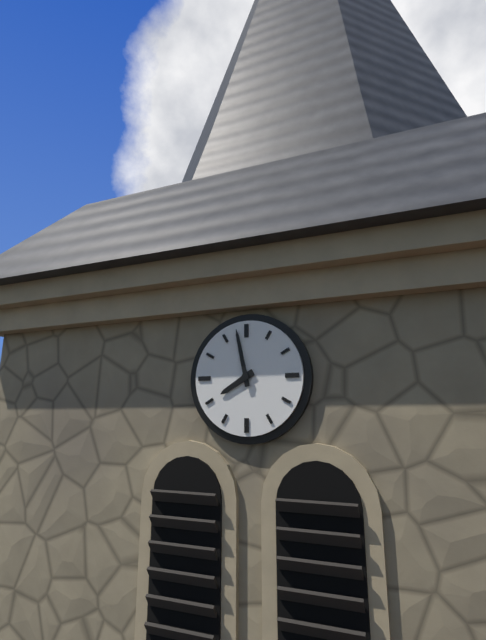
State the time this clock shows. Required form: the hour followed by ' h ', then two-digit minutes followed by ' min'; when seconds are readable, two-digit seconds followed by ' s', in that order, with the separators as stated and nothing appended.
7 h 58 min
